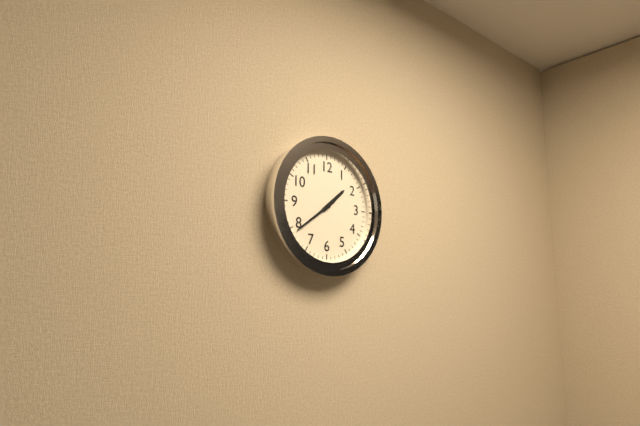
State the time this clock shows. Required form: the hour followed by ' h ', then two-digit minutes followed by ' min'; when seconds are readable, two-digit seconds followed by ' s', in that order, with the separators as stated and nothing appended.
1 h 39 min
